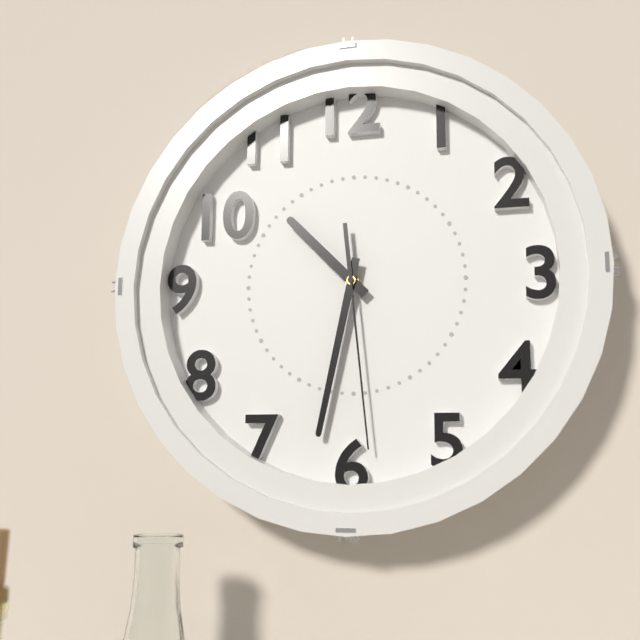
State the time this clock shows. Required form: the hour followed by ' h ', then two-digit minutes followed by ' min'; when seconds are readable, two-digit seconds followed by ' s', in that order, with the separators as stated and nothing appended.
10 h 32 min 29 s
